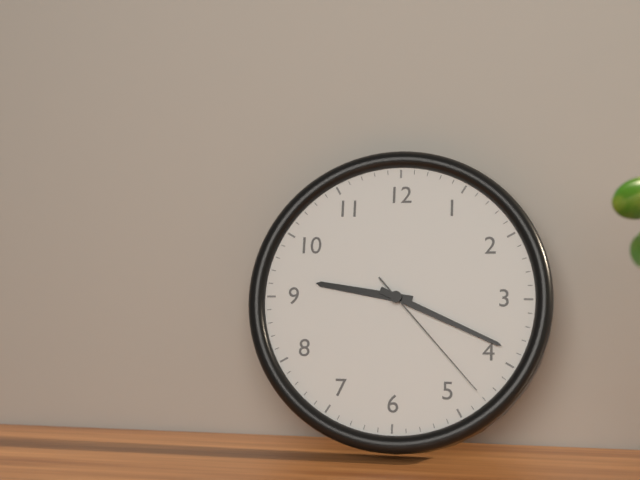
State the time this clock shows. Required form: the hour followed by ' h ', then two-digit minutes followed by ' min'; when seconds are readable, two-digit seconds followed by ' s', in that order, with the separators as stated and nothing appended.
9 h 19 min 23 s
